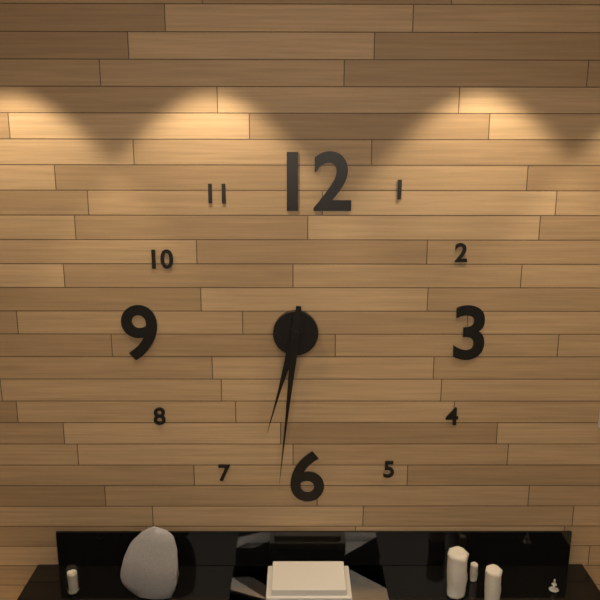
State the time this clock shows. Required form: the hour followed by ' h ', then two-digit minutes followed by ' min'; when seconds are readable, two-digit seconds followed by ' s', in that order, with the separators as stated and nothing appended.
6 h 31 min
